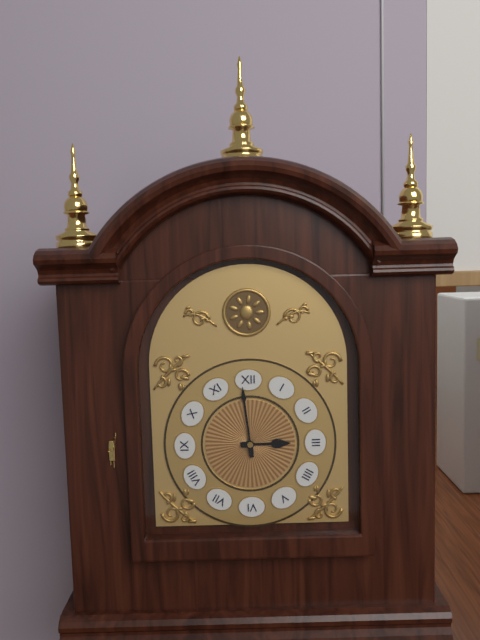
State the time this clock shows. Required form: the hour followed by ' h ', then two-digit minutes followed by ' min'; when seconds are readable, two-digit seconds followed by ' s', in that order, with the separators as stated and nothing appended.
2 h 59 min
